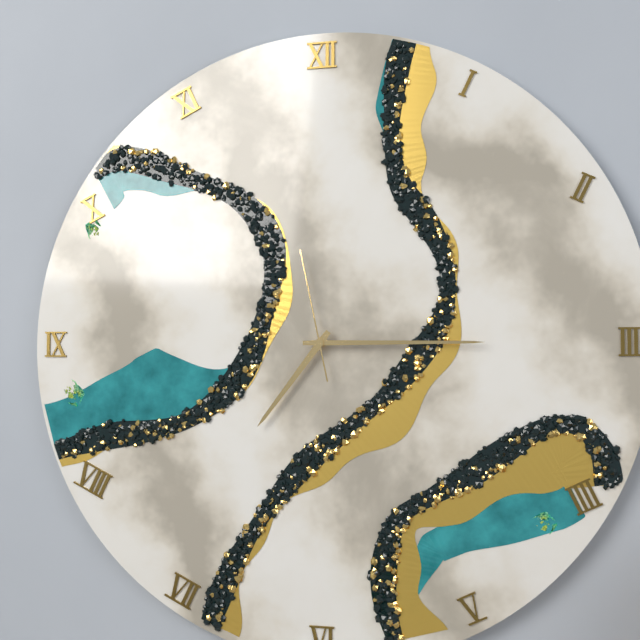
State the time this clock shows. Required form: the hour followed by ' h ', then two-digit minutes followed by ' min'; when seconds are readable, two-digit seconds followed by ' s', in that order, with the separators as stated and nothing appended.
7 h 15 min 58 s
